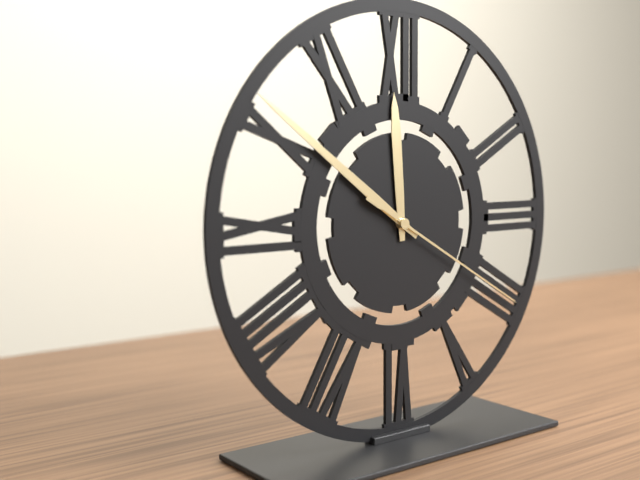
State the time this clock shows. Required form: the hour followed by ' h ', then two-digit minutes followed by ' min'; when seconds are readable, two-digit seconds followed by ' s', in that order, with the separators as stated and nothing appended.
11 h 51 min 20 s
